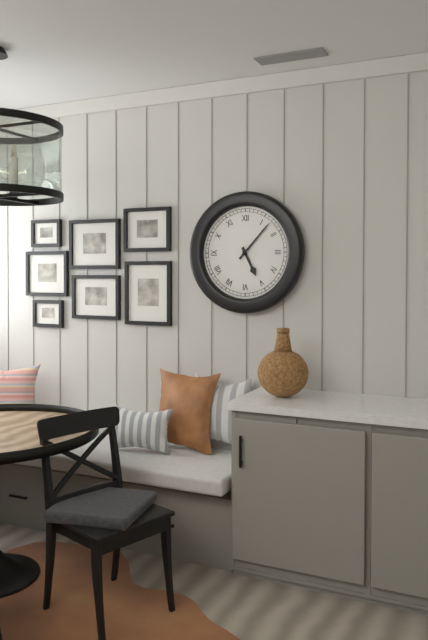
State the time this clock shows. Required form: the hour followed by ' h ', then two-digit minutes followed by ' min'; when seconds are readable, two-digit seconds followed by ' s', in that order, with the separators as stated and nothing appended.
5 h 07 min
